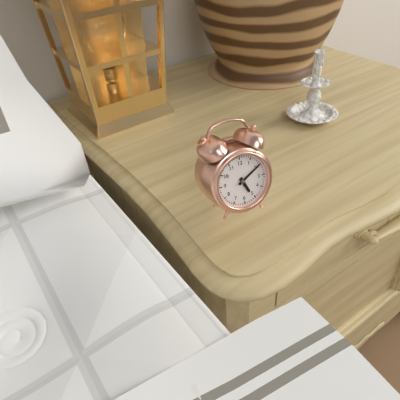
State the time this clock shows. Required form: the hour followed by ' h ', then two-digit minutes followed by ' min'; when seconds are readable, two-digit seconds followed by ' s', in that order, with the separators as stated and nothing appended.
5 h 10 min
